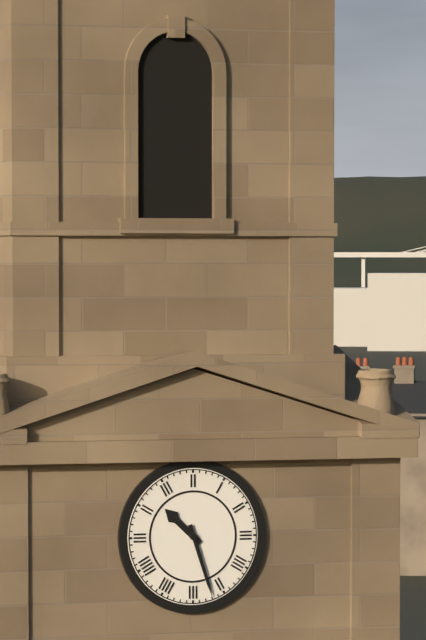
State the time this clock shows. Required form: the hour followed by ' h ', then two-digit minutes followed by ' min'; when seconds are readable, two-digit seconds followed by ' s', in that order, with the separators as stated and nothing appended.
10 h 27 min
